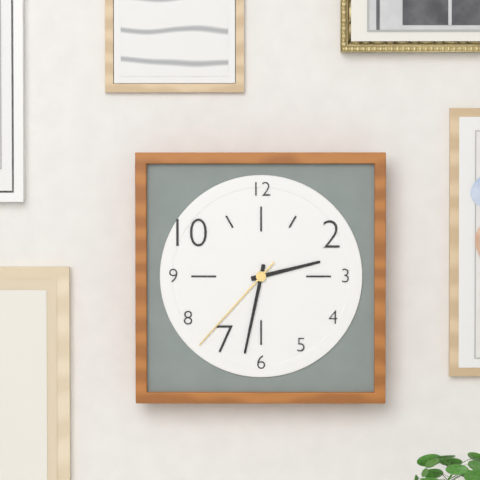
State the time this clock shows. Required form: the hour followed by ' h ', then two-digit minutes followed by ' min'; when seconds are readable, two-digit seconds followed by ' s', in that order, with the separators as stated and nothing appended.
2 h 32 min 37 s
